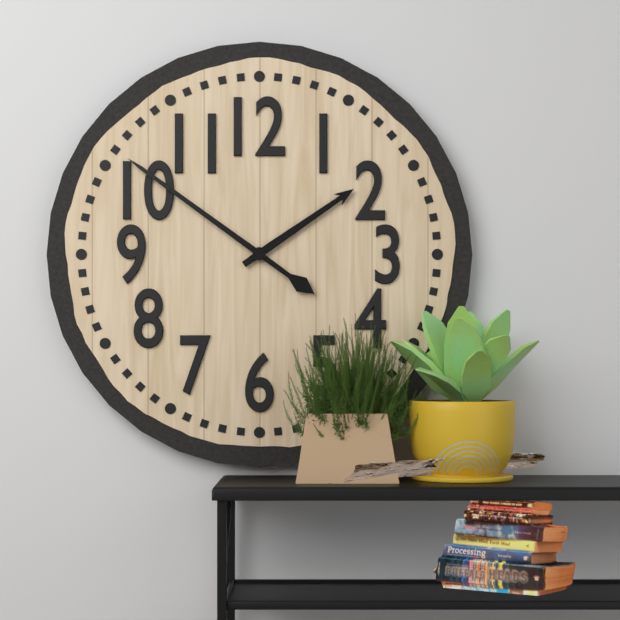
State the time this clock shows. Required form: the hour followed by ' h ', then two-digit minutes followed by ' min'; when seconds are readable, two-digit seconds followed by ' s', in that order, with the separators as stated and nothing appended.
1 h 51 min
